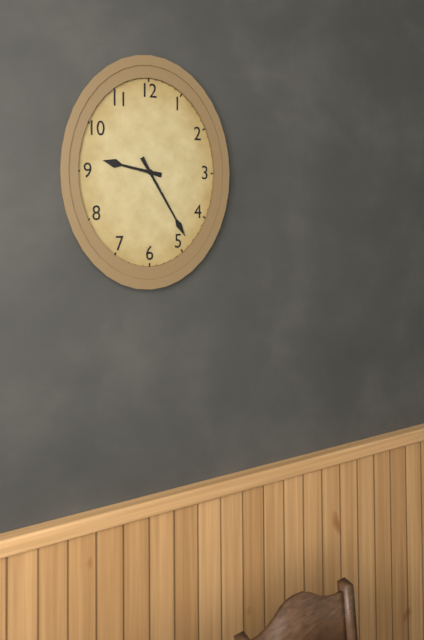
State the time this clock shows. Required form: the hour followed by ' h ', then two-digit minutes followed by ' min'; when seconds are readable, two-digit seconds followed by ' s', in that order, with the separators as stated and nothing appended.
9 h 25 min
